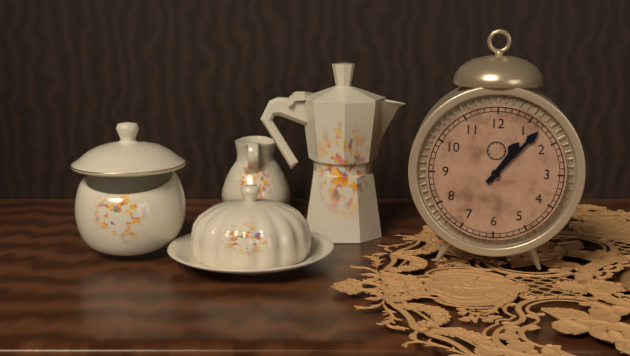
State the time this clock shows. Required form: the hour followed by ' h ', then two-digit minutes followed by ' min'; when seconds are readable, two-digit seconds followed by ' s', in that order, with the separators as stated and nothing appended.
1 h 07 min
